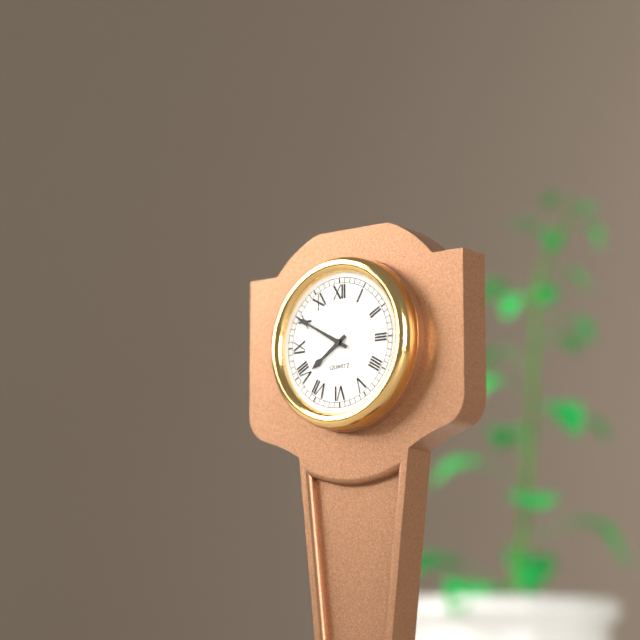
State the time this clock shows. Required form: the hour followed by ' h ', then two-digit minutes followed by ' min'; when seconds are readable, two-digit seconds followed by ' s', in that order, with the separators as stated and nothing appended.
7 h 50 min
